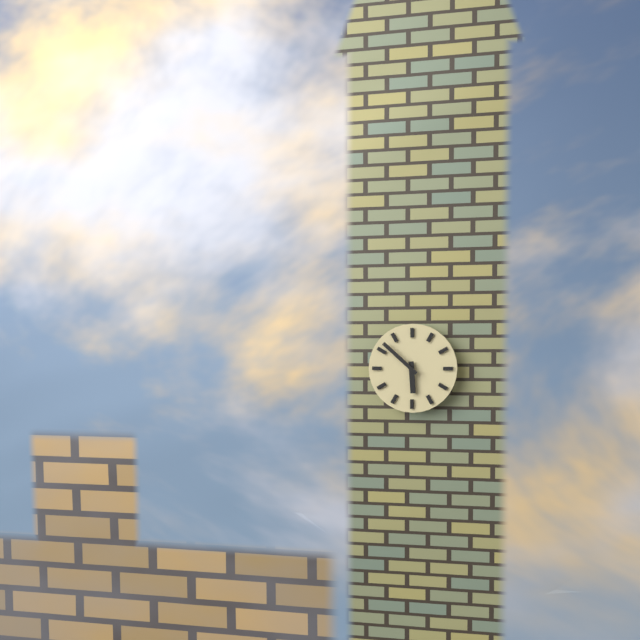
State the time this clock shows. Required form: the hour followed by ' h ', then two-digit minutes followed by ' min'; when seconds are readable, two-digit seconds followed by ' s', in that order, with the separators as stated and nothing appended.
5 h 52 min
